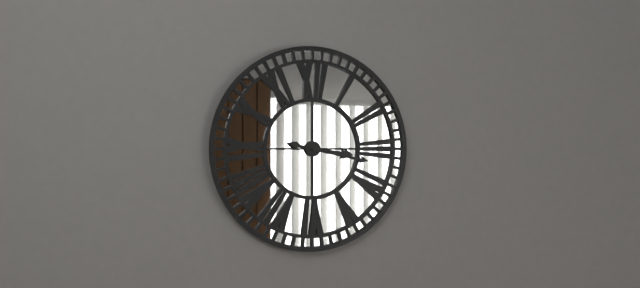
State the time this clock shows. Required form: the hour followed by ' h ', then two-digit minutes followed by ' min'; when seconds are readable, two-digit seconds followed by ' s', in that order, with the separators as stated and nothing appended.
3 h 17 min
